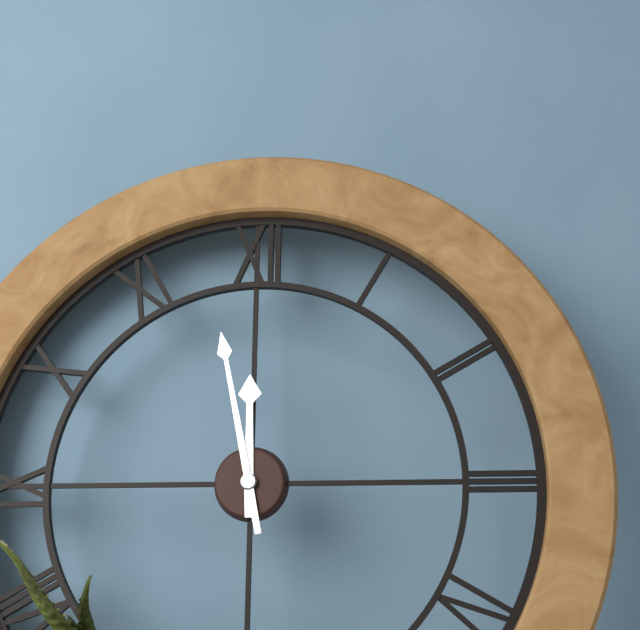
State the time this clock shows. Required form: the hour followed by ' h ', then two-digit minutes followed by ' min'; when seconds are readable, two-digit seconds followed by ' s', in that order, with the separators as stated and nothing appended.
11 h 58 min
